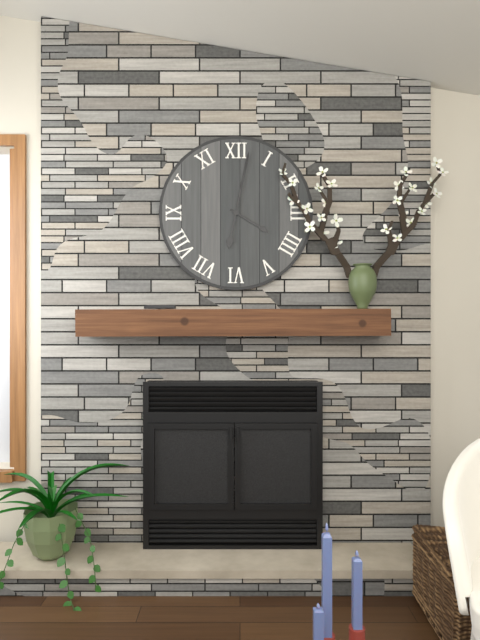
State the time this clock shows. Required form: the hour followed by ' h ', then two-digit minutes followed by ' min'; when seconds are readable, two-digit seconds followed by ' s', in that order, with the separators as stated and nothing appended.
4 h 02 min
